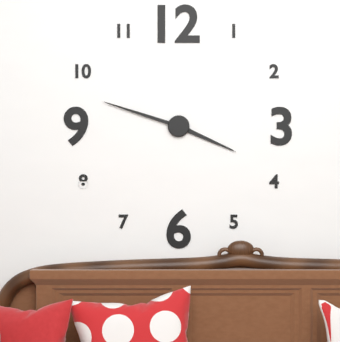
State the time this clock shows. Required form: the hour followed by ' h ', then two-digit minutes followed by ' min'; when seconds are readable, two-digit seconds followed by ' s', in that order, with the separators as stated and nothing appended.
3 h 48 min
